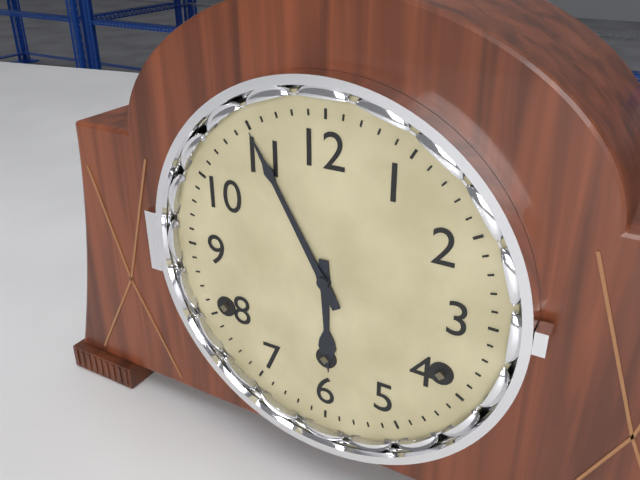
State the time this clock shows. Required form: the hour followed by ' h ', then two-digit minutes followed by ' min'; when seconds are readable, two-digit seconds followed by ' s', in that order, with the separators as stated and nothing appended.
5 h 55 min
